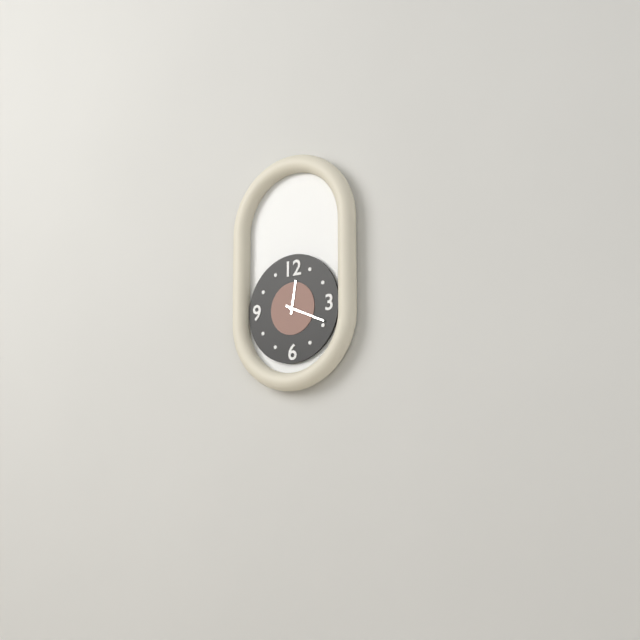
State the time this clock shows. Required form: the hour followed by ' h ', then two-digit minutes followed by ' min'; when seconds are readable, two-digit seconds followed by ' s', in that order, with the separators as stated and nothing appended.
12 h 19 min
